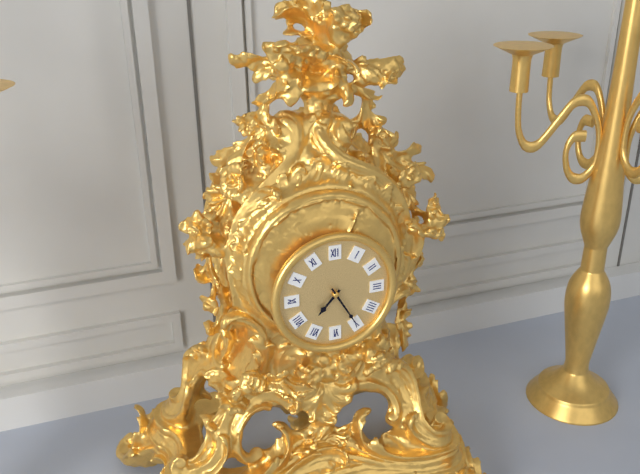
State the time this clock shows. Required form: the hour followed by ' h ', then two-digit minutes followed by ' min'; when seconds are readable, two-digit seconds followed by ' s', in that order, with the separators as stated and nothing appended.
7 h 25 min
